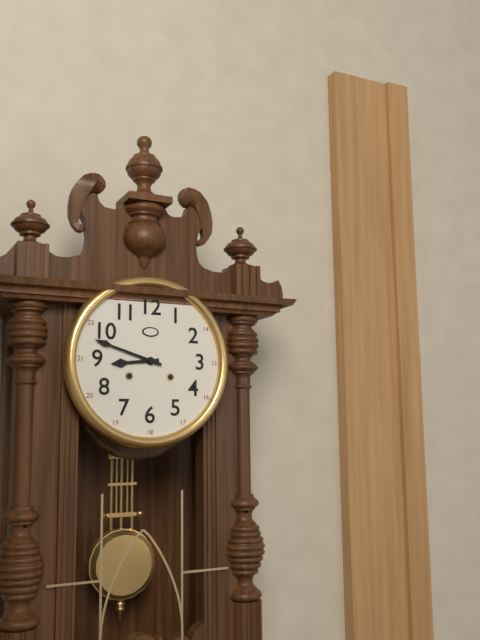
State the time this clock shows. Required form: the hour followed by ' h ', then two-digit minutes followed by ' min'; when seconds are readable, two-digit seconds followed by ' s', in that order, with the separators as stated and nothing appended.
8 h 48 min
